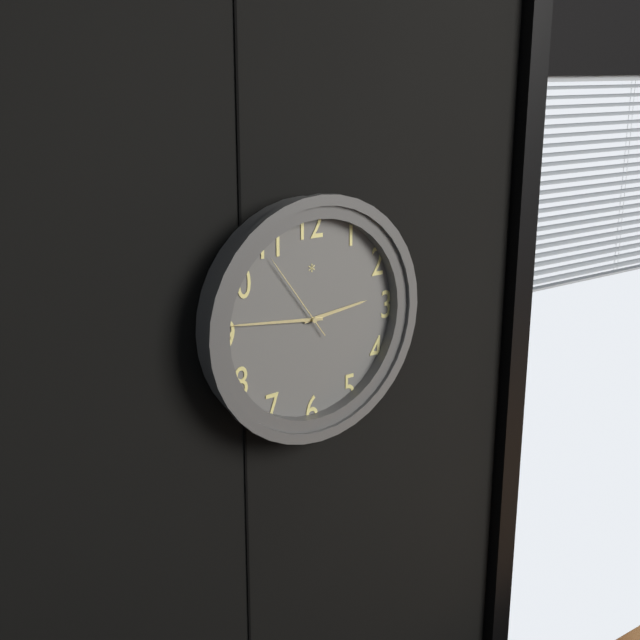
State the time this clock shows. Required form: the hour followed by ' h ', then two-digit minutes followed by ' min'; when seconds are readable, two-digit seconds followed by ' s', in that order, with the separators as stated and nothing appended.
2 h 46 min 54 s
